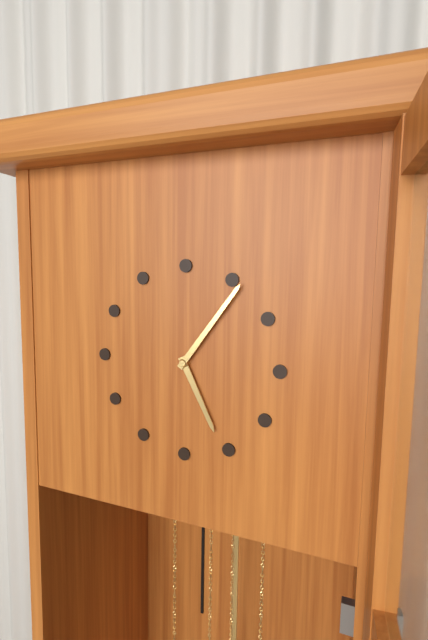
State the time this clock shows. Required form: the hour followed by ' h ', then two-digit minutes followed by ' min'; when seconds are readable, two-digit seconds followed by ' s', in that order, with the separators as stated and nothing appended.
5 h 06 min
